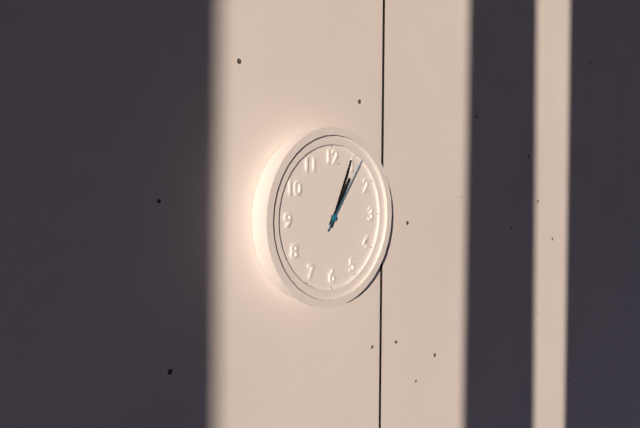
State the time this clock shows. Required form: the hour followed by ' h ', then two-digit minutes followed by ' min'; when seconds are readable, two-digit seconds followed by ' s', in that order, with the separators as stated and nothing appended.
1 h 04 min 06 s
